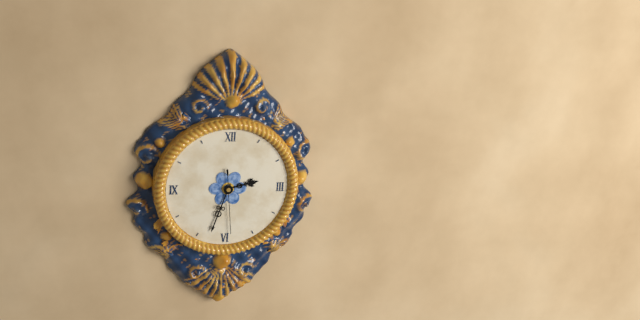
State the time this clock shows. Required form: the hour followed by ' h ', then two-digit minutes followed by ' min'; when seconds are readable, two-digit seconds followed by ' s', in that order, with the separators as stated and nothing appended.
2 h 33 min 29 s
